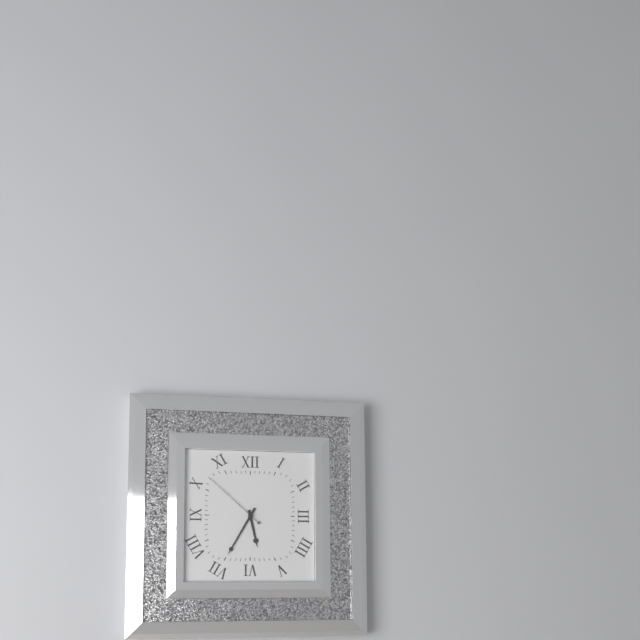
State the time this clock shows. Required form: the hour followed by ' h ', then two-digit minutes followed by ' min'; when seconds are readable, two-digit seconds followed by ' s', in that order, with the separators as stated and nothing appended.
5 h 35 min 52 s
